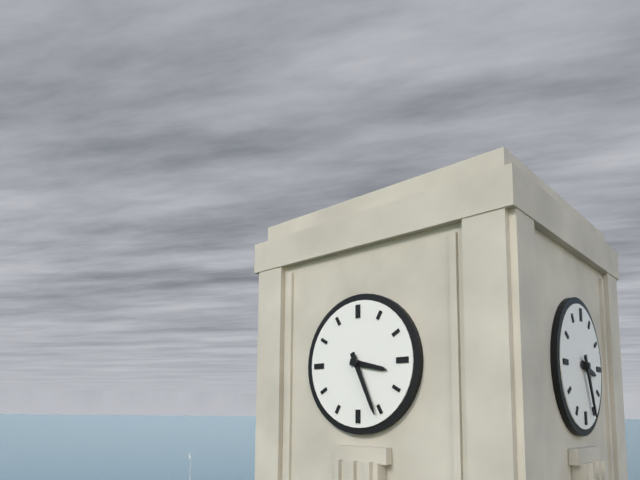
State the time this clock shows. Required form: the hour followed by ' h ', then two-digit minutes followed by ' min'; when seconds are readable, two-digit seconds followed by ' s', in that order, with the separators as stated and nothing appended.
3 h 26 min
